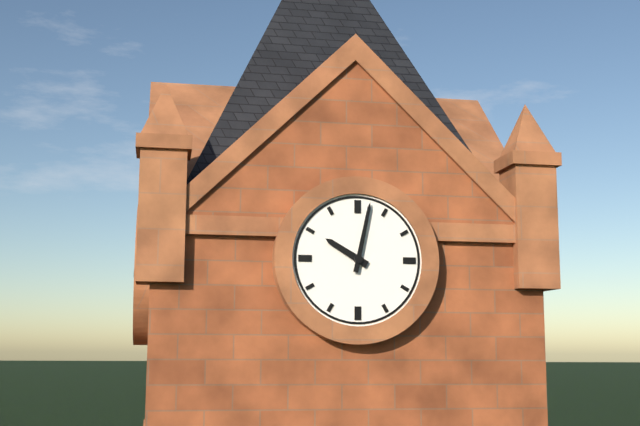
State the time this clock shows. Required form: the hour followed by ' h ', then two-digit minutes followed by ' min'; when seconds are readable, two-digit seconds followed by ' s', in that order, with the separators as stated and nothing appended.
10 h 02 min
